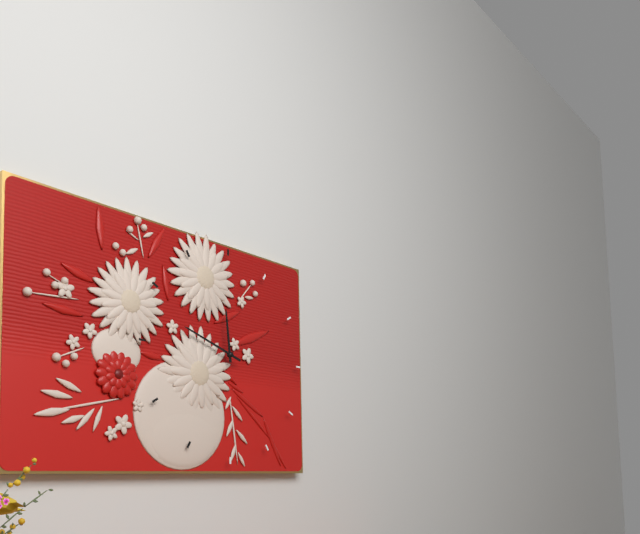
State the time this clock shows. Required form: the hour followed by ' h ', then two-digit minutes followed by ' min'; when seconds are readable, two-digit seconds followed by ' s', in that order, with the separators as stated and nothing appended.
11 h 48 min
